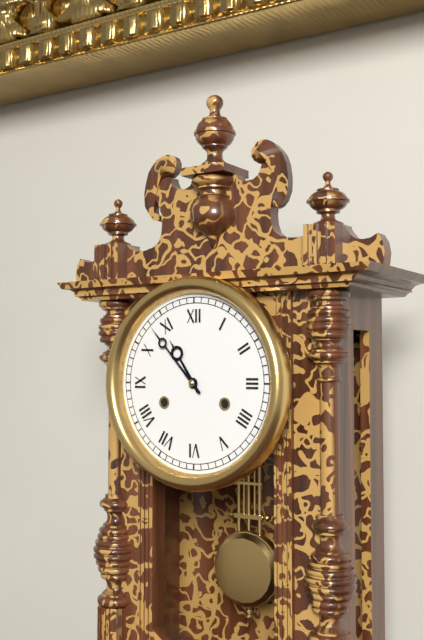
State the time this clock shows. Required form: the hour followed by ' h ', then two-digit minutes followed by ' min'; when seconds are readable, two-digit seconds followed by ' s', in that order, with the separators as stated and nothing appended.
10 h 53 min
